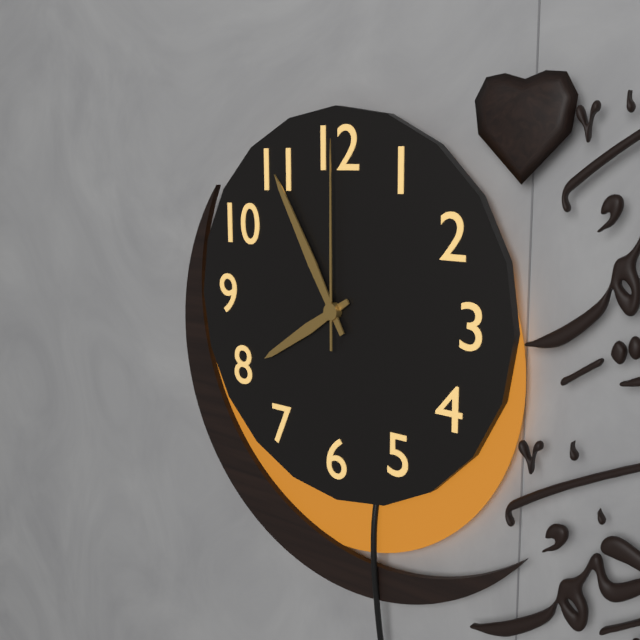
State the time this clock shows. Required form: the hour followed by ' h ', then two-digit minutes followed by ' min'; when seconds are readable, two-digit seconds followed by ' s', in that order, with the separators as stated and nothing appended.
7 h 55 min 00 s
